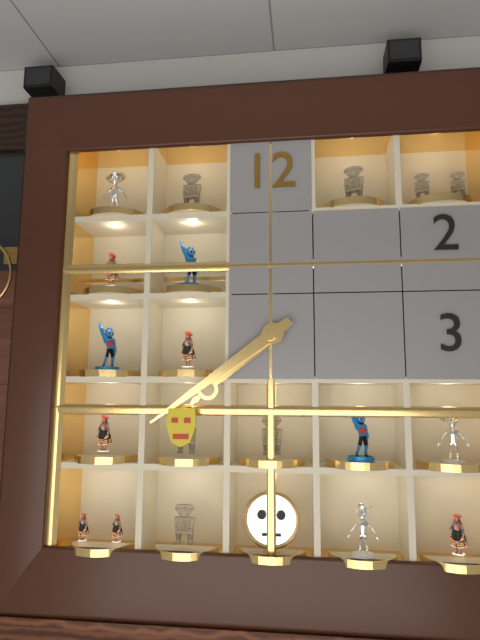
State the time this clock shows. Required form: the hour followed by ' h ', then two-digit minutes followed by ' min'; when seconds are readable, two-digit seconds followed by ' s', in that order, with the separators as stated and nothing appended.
7 h 39 min
